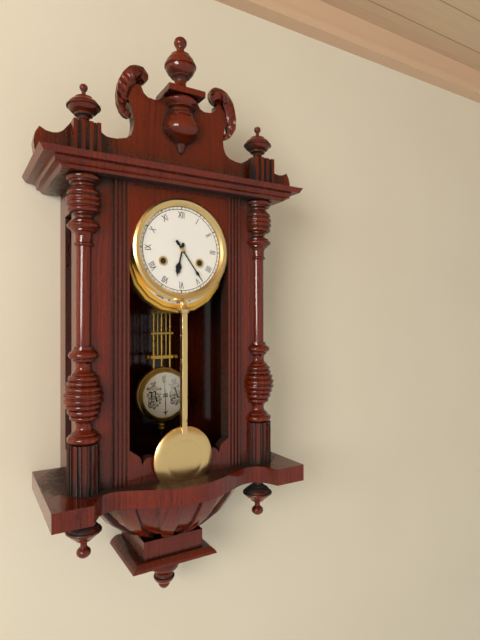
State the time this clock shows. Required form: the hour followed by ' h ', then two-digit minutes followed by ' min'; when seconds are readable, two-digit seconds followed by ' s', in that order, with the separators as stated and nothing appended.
6 h 24 min
